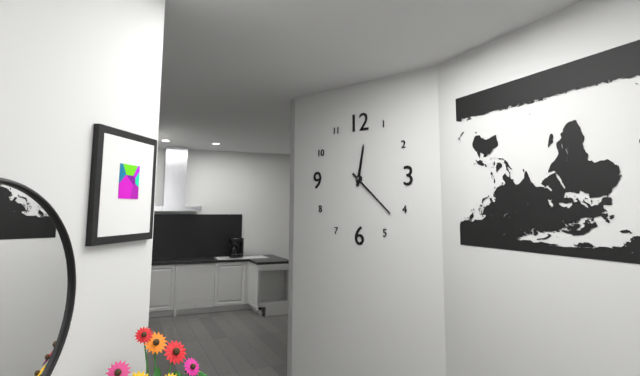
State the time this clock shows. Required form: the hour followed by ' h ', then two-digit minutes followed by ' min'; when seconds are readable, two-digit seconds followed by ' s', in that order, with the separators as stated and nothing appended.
12 h 22 min
